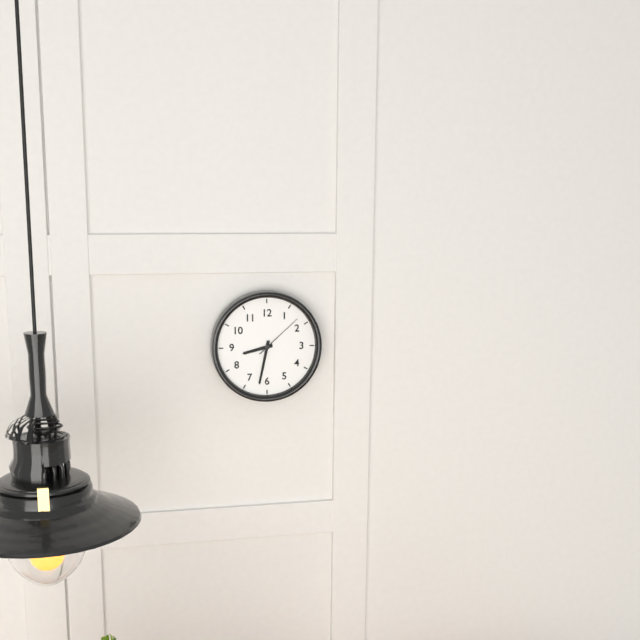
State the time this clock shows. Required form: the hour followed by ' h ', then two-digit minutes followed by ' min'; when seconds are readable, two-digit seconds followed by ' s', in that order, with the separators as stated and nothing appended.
8 h 32 min 08 s
